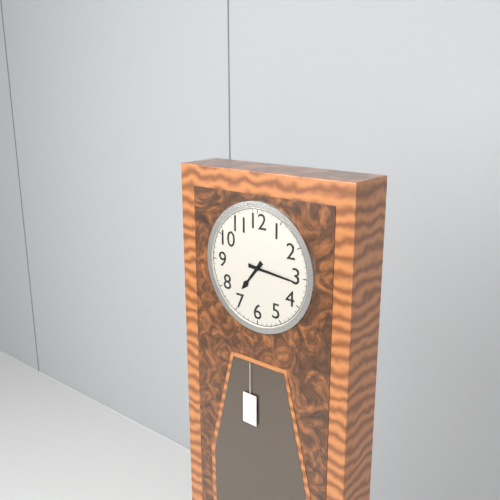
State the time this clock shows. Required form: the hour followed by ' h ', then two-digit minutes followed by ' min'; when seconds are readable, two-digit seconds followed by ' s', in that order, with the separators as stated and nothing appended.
7 h 16 min
